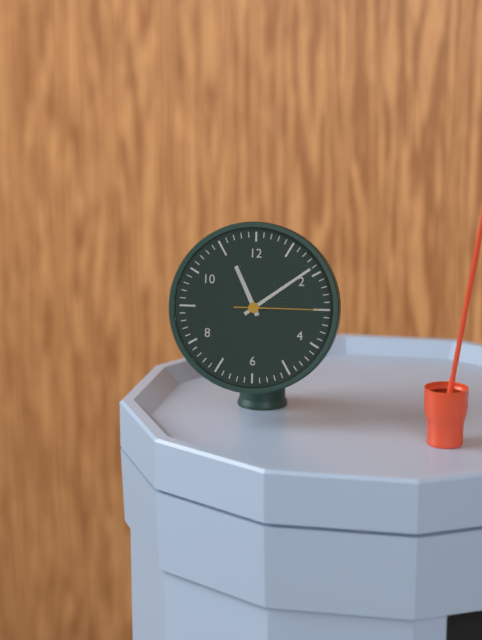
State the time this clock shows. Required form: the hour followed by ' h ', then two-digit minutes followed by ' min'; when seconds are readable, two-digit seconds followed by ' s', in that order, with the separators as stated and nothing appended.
11 h 09 min 15 s
